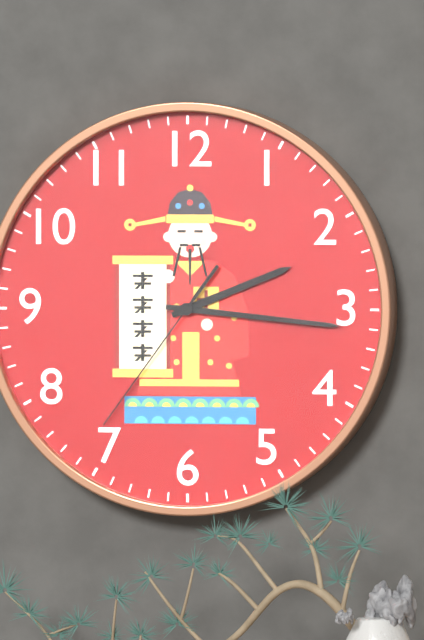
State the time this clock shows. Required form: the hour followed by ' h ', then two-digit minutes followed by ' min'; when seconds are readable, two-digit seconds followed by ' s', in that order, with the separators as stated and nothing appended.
2 h 16 min 36 s
